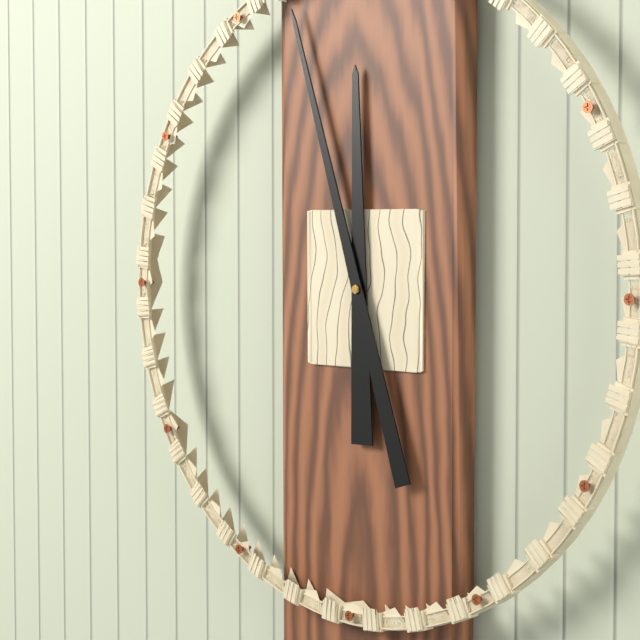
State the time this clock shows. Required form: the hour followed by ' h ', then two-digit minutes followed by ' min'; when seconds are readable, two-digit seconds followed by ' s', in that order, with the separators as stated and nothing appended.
11 h 57 min
